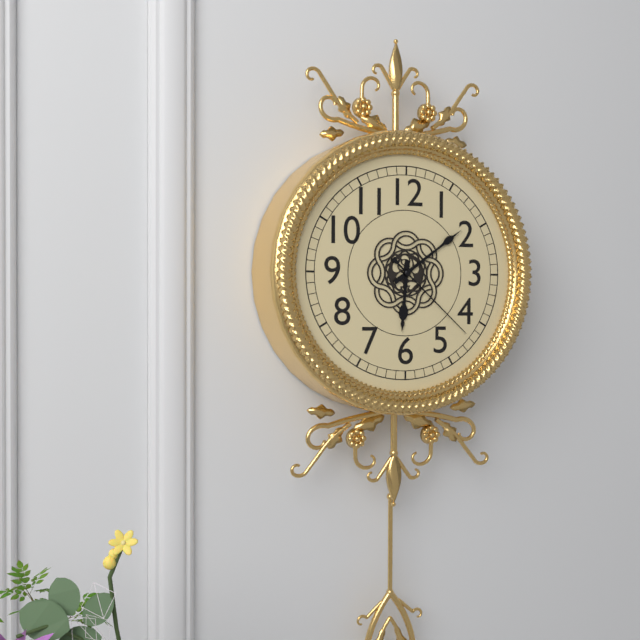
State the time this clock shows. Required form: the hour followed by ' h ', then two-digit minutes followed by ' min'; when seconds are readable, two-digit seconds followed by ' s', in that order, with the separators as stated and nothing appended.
6 h 09 min 22 s
